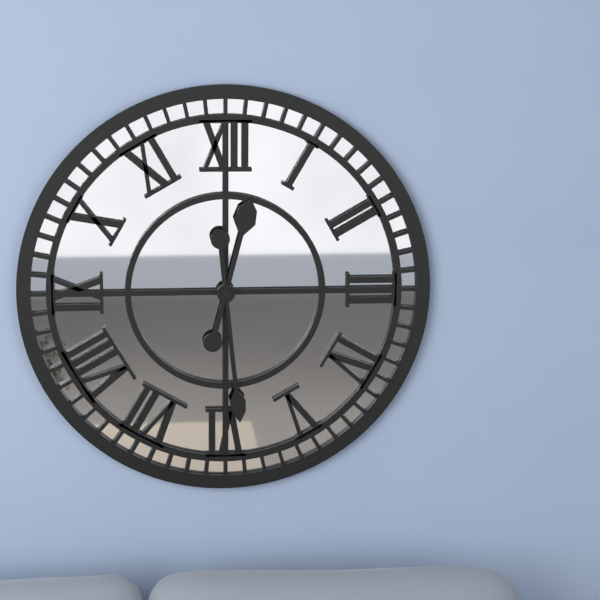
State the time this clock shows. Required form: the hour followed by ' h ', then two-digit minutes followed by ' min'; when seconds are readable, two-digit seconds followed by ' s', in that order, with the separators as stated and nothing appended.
12 h 29 min
